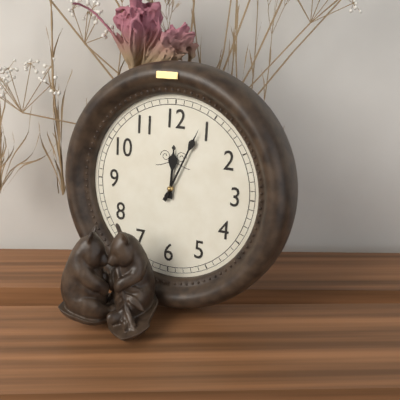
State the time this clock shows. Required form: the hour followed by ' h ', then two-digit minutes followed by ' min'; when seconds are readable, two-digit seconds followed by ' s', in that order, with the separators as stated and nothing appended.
12 h 04 min
